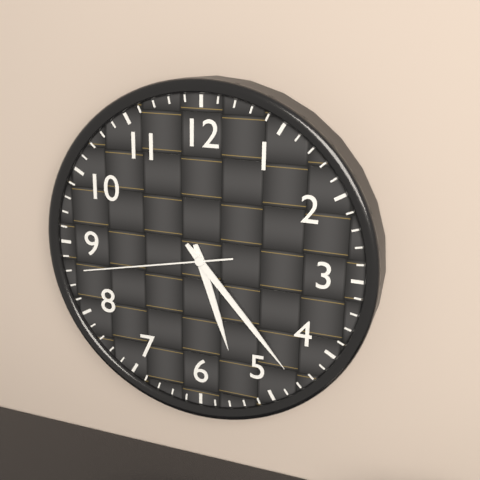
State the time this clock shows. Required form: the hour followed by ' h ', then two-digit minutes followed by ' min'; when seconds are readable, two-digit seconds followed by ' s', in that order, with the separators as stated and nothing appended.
5 h 23 min 43 s
